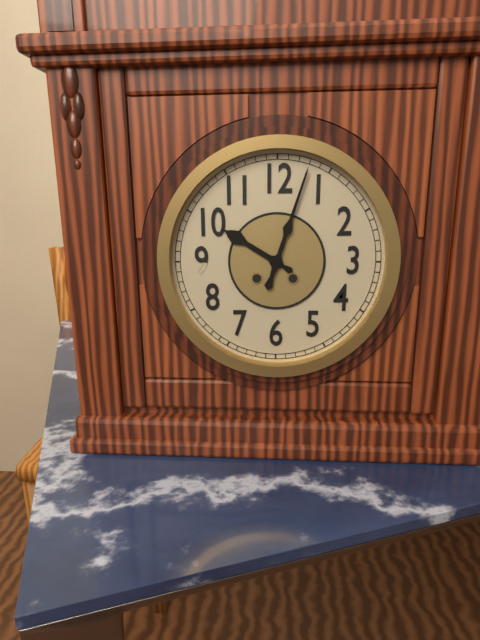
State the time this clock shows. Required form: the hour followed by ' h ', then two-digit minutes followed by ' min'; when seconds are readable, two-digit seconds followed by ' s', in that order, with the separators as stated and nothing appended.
10 h 03 min
